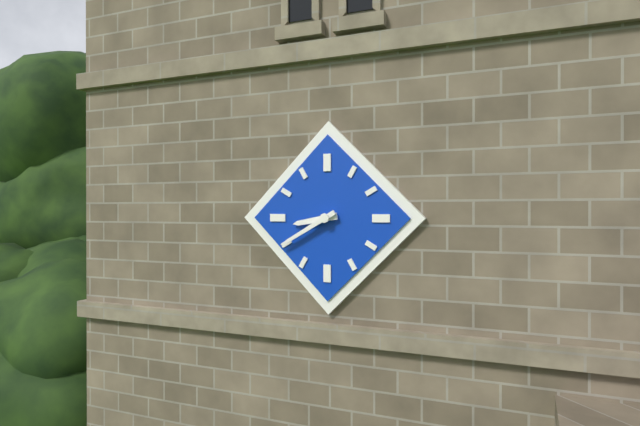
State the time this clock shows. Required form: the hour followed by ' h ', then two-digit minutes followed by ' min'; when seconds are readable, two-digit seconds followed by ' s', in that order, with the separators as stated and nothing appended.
8 h 40 min
